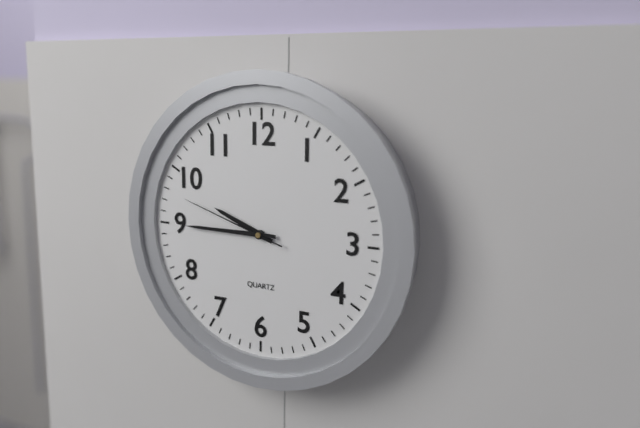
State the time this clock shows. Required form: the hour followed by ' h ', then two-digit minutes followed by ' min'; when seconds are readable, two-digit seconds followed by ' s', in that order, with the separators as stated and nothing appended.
9 h 45 min 48 s
